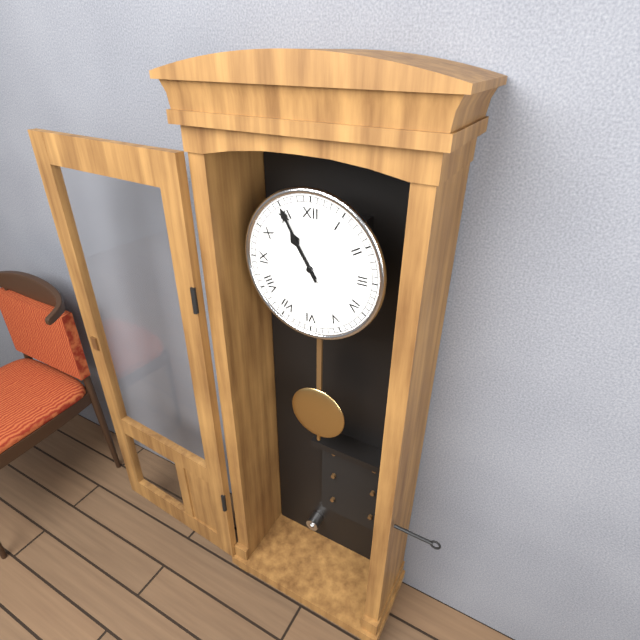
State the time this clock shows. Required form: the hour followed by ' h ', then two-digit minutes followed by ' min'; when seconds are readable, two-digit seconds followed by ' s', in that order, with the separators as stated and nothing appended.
10 h 55 min
